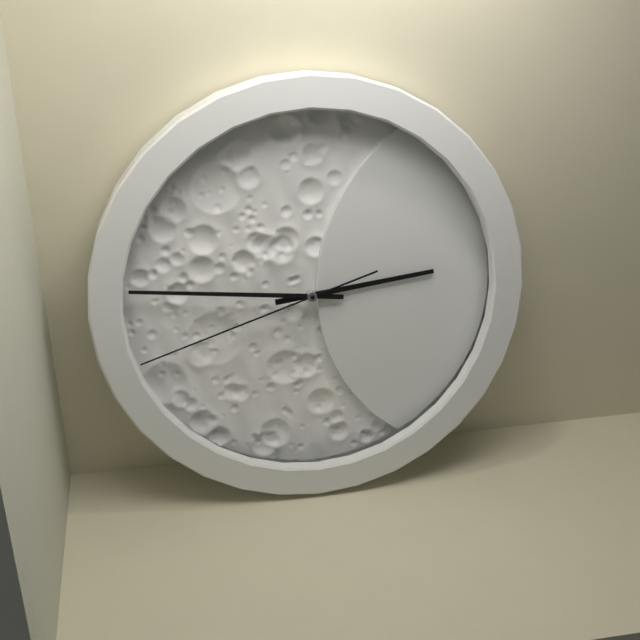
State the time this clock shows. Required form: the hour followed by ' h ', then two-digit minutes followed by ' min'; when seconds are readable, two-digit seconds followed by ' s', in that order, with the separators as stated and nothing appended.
2 h 46 min 42 s
